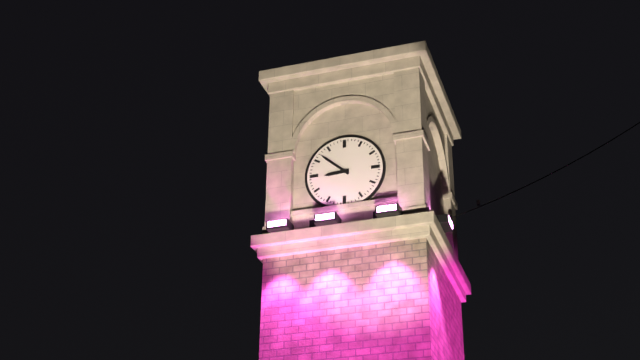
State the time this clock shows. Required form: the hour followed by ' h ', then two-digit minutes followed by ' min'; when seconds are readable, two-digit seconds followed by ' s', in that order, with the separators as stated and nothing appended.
8 h 52 min
